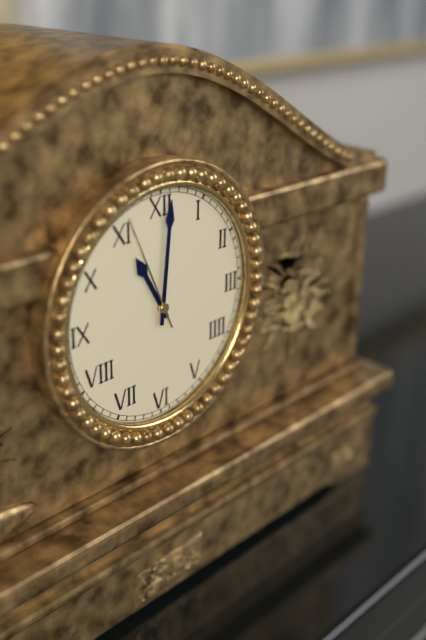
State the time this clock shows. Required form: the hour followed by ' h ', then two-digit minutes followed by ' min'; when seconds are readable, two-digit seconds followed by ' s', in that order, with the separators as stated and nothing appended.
11 h 01 min 56 s
